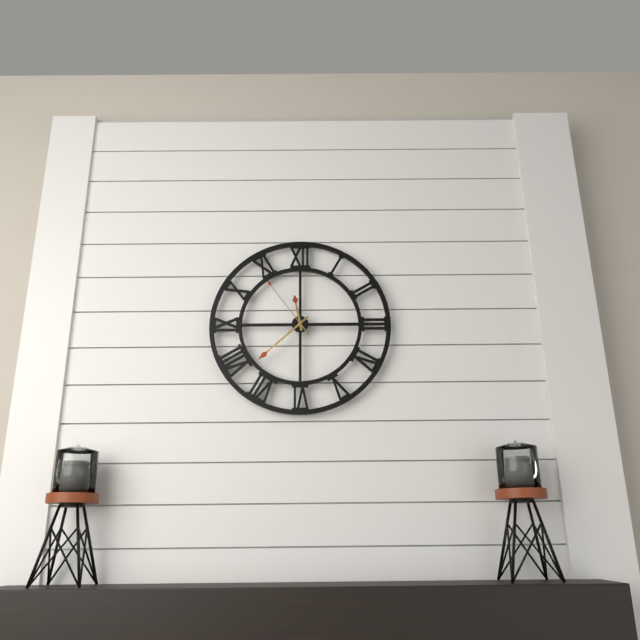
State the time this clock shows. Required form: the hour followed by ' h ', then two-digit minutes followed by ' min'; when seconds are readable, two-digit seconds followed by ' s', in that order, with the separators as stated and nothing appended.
11 h 38 min 54 s
